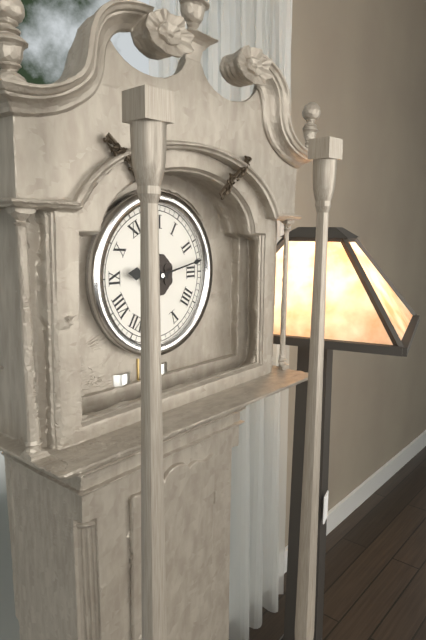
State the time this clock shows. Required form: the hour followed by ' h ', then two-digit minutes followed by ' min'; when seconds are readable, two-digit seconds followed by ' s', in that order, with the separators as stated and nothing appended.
9 h 13 min
